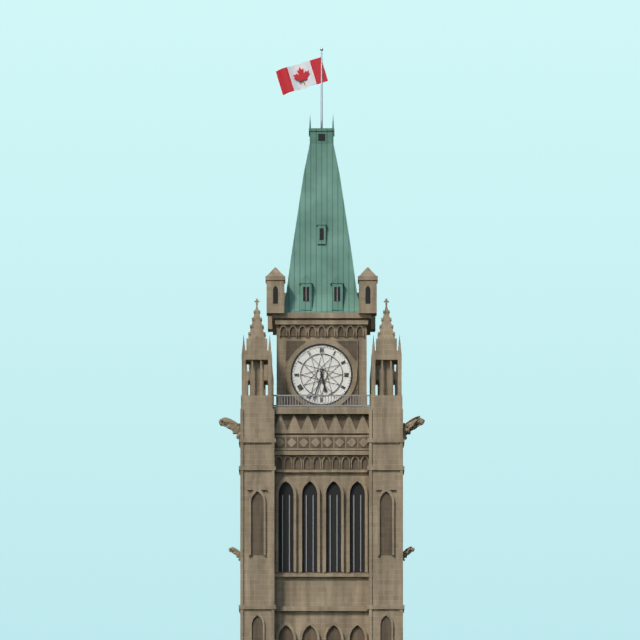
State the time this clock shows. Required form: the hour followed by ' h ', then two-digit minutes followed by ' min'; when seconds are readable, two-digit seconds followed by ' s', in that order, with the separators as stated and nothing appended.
5 h 33 min
